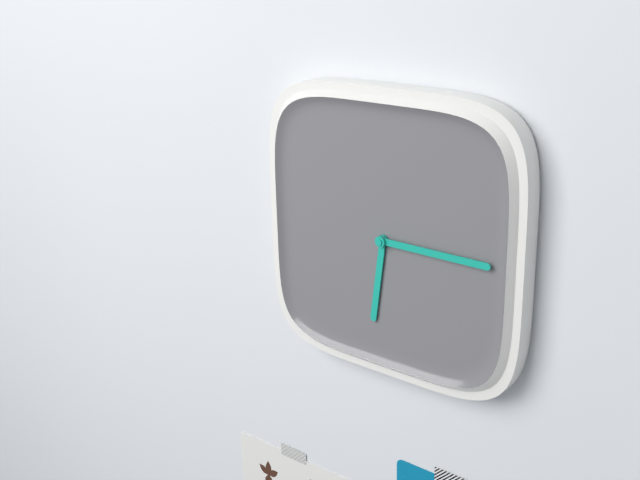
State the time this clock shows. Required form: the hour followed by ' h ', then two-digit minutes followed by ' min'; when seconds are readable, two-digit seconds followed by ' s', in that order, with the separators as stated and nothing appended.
6 h 15 min
